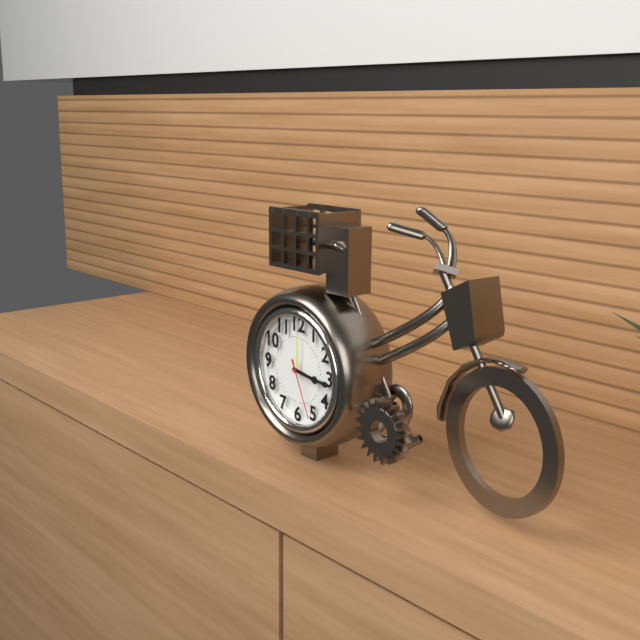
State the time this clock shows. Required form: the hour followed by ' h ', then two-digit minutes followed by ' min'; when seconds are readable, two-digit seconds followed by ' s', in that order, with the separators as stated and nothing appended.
3 h 16 min 26 s
